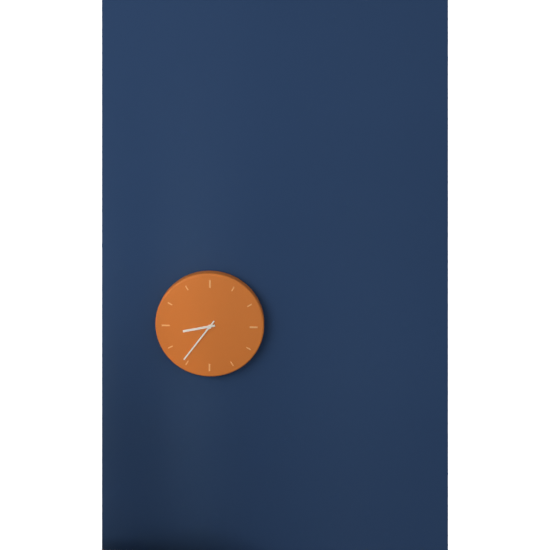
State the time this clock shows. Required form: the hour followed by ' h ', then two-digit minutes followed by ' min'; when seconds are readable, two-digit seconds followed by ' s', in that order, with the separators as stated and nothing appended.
8 h 36 min
